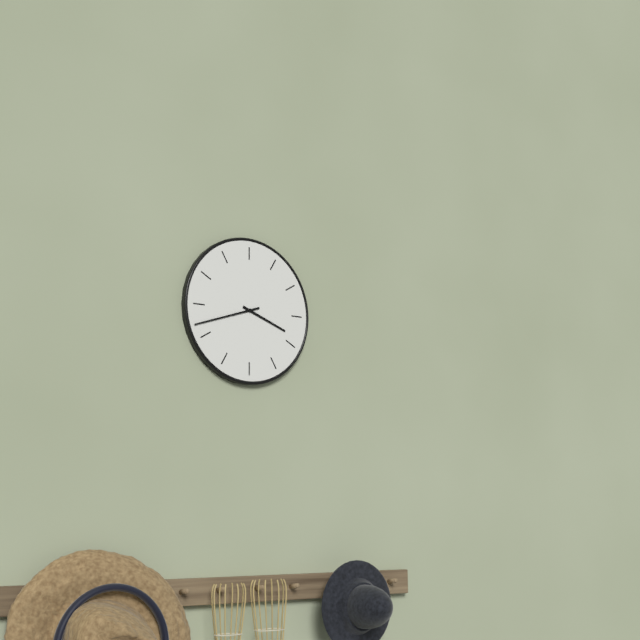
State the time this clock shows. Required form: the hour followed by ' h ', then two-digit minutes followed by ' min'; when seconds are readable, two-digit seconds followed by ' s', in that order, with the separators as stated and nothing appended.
3 h 42 min
